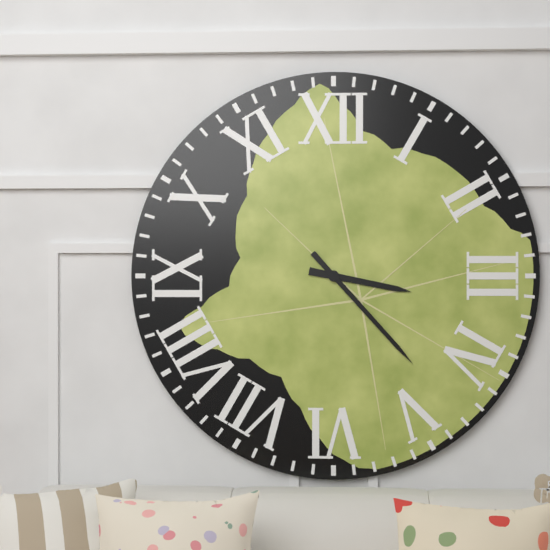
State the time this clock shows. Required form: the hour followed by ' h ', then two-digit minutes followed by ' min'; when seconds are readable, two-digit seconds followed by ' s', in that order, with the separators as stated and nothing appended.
3 h 23 min
